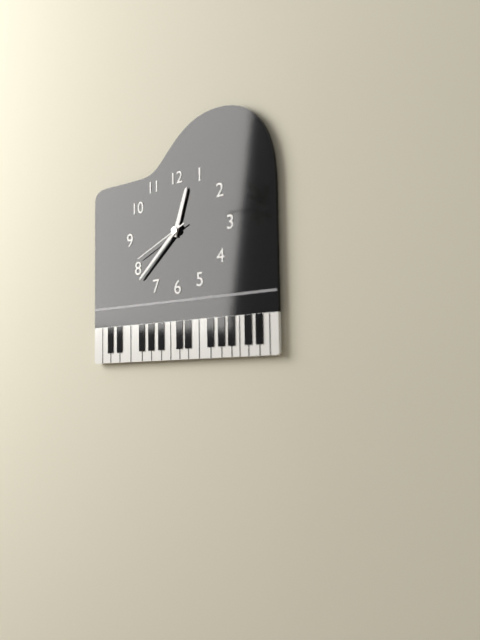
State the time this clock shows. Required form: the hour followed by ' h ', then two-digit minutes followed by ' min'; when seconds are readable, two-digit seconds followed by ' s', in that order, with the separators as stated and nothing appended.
12 h 38 min 41 s
